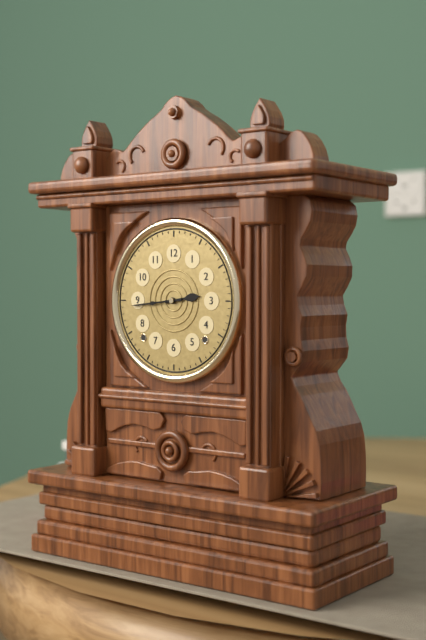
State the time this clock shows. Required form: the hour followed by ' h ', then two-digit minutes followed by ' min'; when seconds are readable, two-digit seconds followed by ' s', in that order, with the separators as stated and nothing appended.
2 h 44 min
